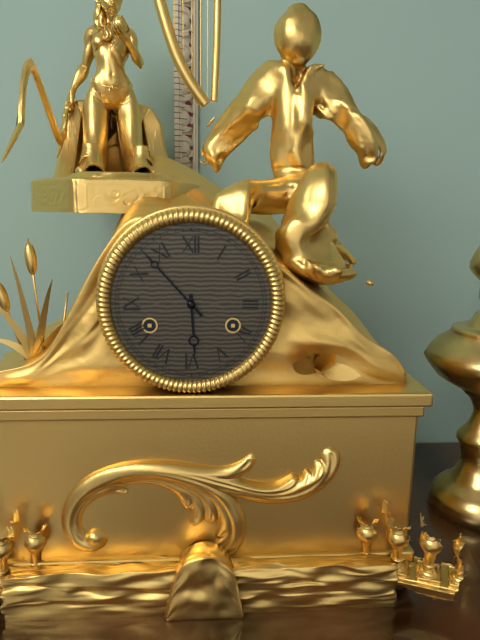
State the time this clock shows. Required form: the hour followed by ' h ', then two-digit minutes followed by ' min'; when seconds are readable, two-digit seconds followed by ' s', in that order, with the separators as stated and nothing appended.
5 h 53 min
